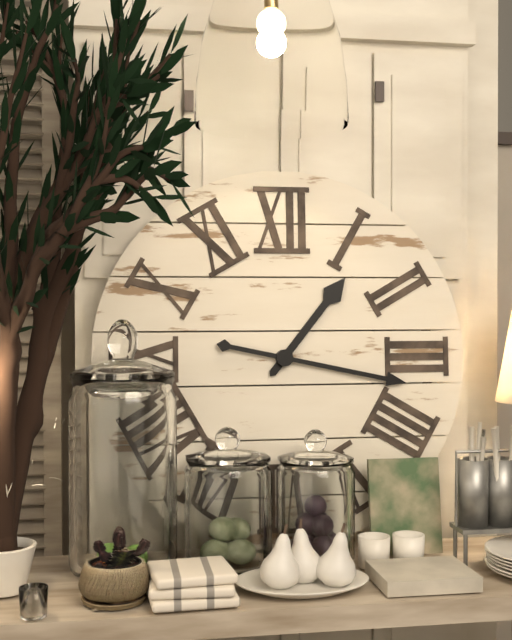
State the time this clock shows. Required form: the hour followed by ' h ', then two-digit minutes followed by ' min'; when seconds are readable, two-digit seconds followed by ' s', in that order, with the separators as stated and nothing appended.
1 h 17 min
